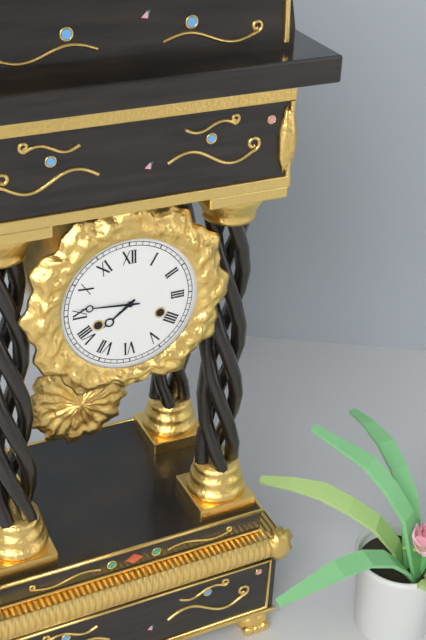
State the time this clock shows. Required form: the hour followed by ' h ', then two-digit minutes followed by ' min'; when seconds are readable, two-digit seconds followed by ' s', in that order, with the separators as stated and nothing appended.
7 h 46 min
